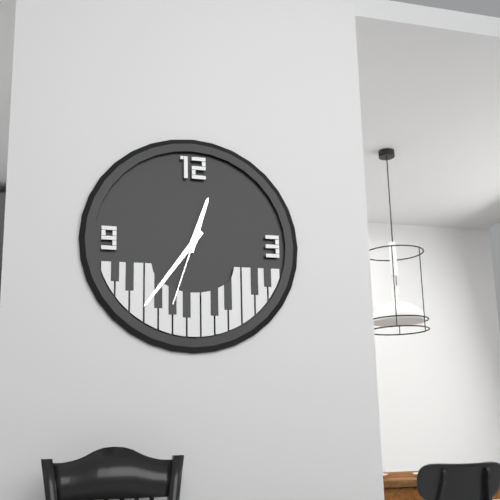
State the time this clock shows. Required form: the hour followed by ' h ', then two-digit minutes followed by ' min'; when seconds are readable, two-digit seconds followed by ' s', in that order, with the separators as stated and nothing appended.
12 h 36 min 33 s
